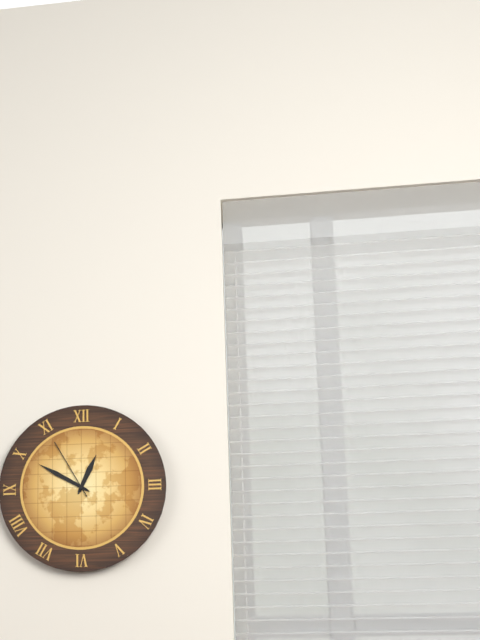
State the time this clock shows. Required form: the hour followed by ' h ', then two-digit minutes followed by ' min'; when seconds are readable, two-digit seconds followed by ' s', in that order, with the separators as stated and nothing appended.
12 h 50 min 55 s
